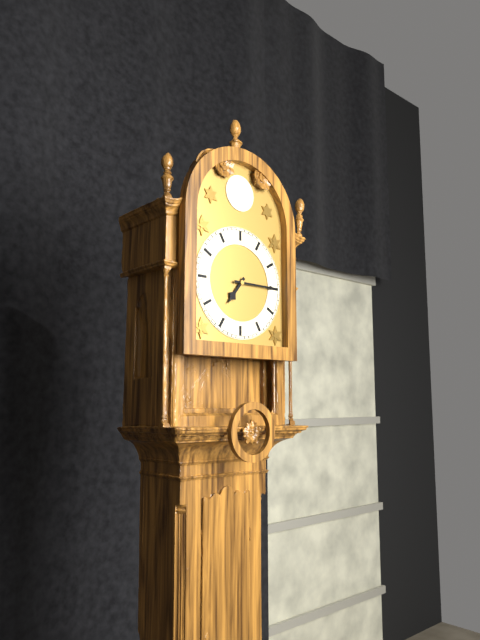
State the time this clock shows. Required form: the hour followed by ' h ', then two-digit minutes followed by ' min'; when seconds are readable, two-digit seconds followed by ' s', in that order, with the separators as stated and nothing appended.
7 h 15 min
